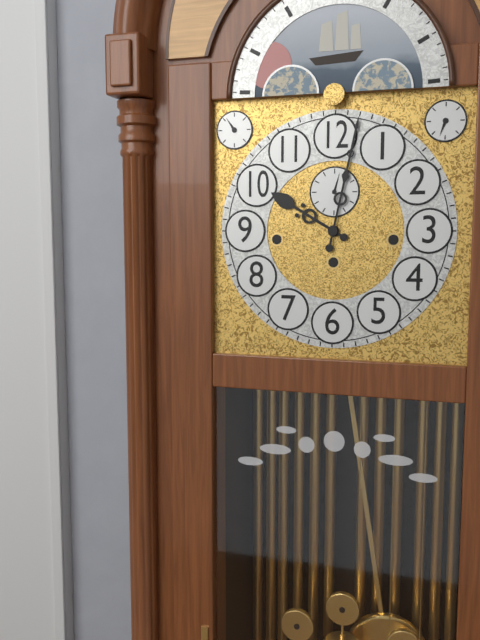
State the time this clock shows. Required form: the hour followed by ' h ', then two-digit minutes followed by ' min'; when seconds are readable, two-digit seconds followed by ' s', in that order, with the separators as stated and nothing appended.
10 h 02 min
